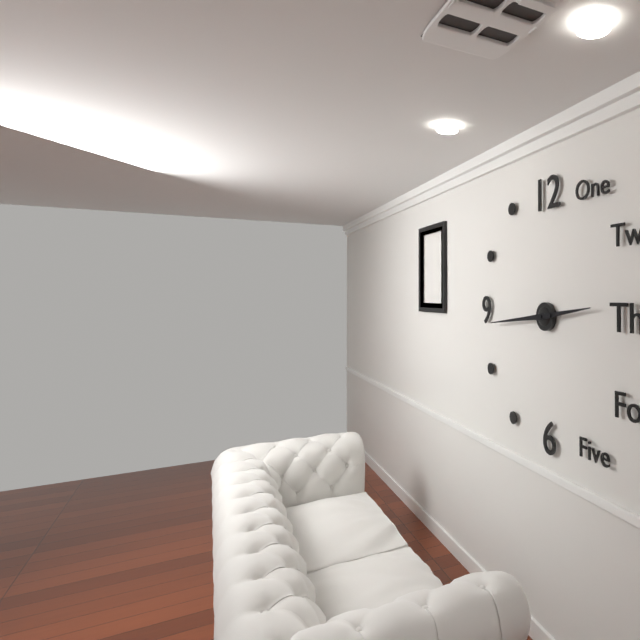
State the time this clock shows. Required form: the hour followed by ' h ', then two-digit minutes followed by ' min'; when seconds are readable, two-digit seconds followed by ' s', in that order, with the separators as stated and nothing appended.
2 h 44 min
